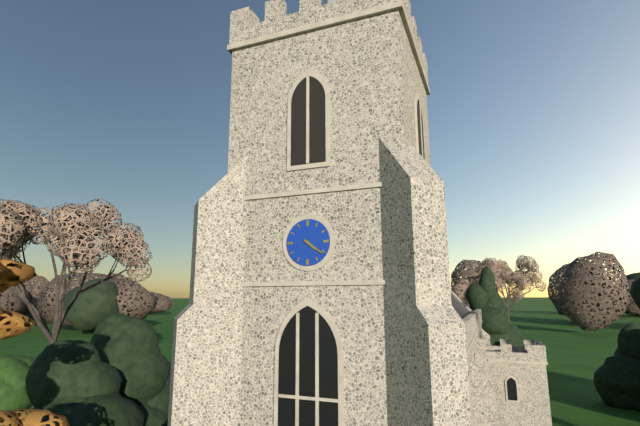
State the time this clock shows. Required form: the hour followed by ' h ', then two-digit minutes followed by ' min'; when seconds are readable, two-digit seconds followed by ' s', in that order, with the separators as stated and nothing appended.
4 h 21 min
